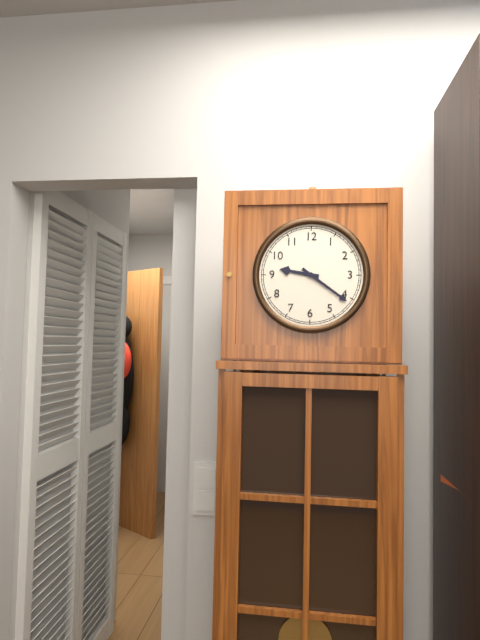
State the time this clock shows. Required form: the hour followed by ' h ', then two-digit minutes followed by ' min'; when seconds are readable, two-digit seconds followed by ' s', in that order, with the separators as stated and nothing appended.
9 h 21 min
